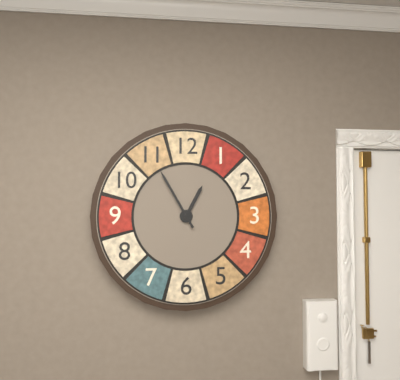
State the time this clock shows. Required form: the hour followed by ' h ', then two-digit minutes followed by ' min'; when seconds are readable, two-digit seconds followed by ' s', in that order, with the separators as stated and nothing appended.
12 h 55 min
